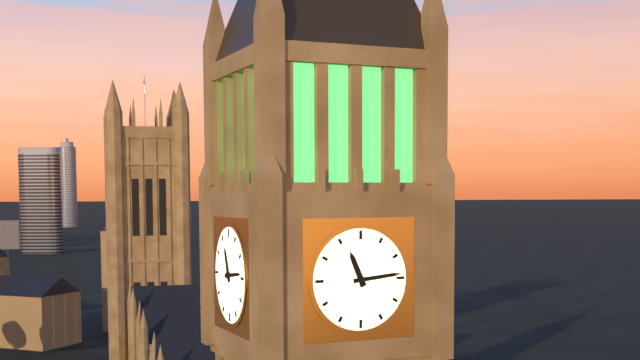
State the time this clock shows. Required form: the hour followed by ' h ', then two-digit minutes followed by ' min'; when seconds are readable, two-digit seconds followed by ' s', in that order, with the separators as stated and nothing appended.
11 h 14 min
